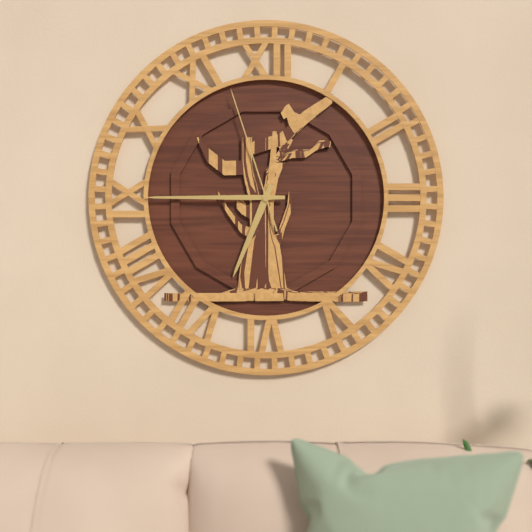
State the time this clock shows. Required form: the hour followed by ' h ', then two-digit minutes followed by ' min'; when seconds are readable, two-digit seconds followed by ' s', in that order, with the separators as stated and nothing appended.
6 h 45 min 57 s
